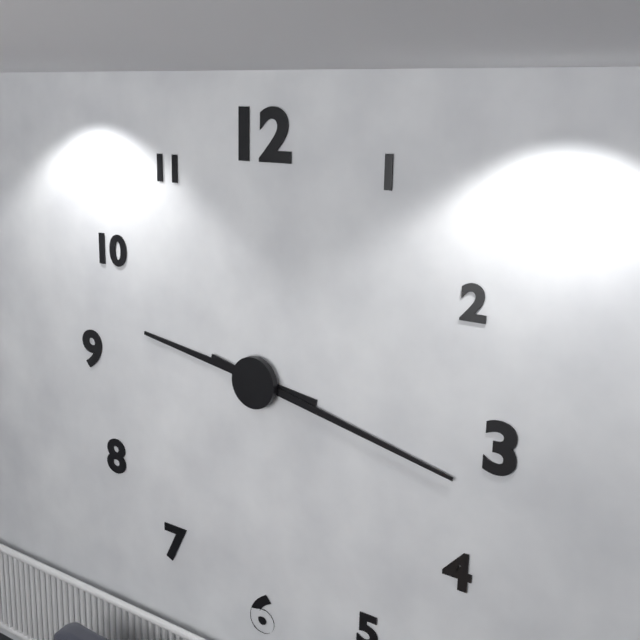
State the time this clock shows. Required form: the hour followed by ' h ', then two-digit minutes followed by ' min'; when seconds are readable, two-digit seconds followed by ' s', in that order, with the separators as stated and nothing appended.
9 h 17 min
